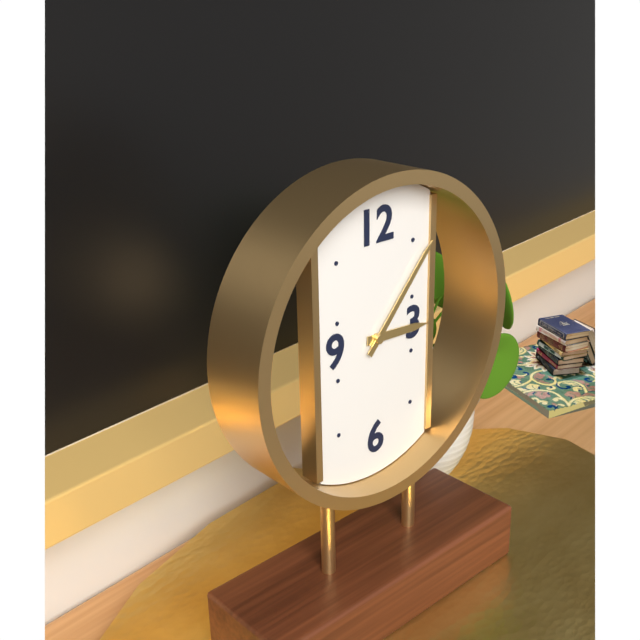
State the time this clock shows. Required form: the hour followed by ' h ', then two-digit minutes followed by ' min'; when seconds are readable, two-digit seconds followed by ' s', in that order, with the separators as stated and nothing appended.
3 h 07 min
